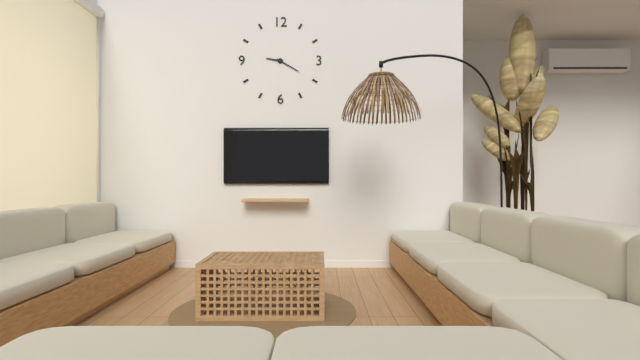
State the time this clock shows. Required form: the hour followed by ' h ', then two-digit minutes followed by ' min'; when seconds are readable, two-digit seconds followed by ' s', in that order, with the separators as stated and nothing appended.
9 h 20 min
